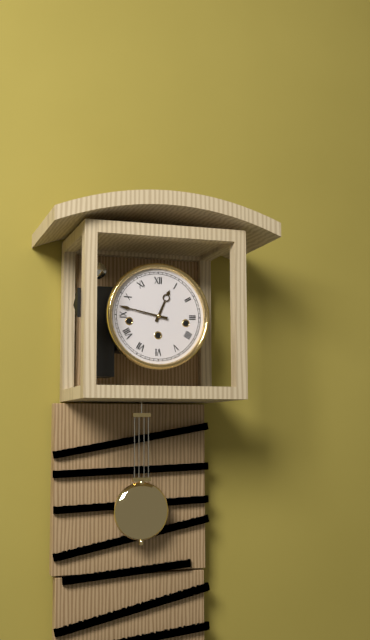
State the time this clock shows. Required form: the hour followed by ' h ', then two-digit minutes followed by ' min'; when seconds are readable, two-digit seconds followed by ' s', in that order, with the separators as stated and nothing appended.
12 h 47 min
